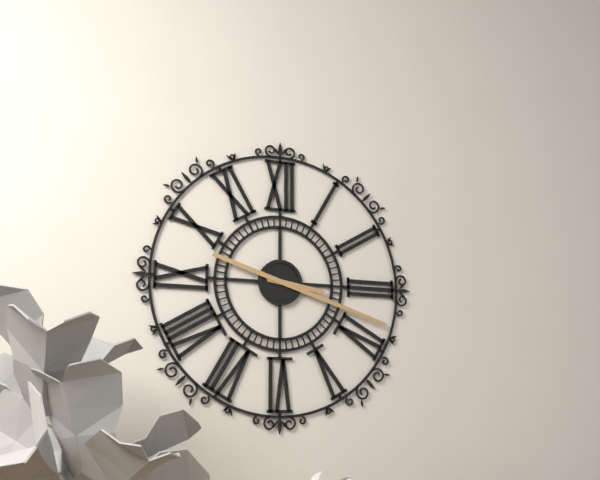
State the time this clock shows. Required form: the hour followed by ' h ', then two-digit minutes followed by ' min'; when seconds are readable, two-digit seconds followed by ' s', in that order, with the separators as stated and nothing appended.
3 h 18 min
